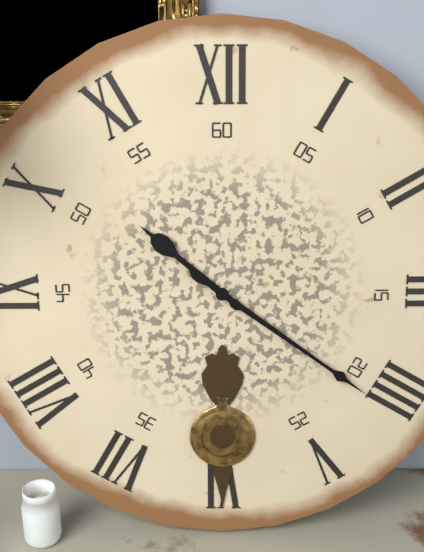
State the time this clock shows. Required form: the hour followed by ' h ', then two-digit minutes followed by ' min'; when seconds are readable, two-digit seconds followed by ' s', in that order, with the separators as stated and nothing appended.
10 h 21 min
